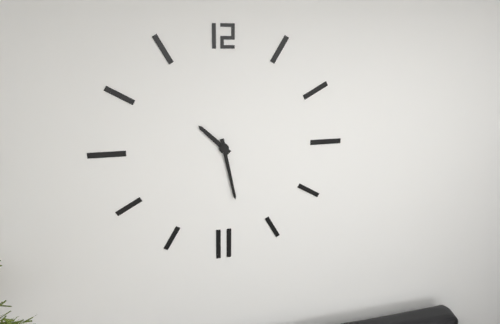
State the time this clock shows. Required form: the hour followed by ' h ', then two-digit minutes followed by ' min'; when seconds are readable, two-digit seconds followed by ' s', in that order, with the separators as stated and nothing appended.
10 h 28 min
